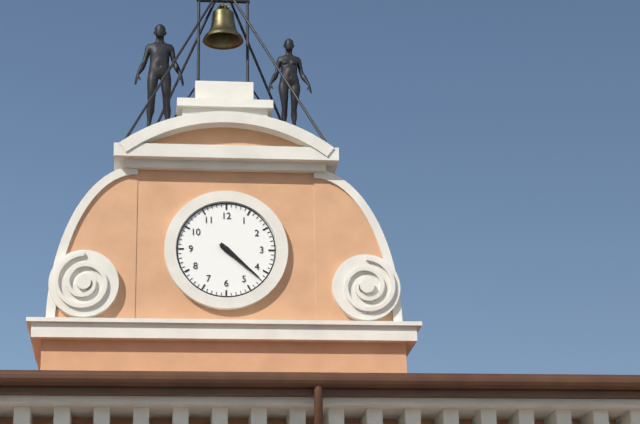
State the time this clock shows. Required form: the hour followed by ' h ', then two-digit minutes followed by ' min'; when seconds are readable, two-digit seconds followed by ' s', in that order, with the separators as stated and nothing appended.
4 h 22 min
